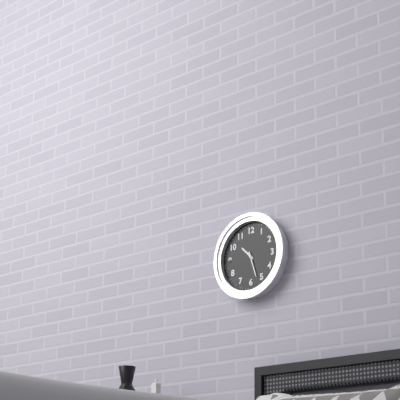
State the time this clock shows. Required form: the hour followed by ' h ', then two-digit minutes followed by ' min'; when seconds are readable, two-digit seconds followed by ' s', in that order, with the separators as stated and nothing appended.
10 h 27 min
